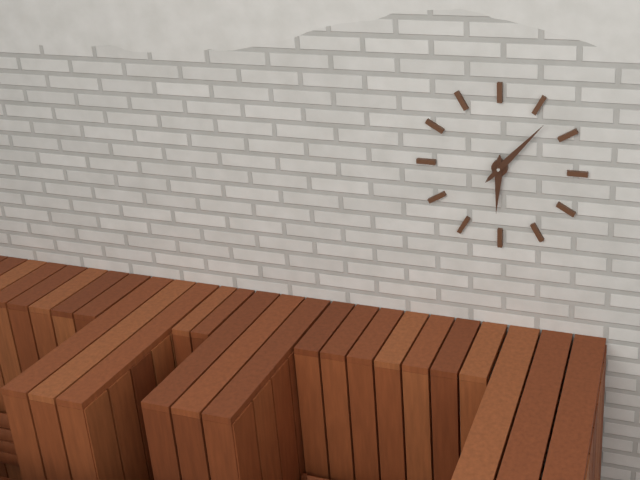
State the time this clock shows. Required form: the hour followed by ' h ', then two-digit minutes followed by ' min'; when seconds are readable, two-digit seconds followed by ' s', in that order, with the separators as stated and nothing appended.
6 h 07 min
